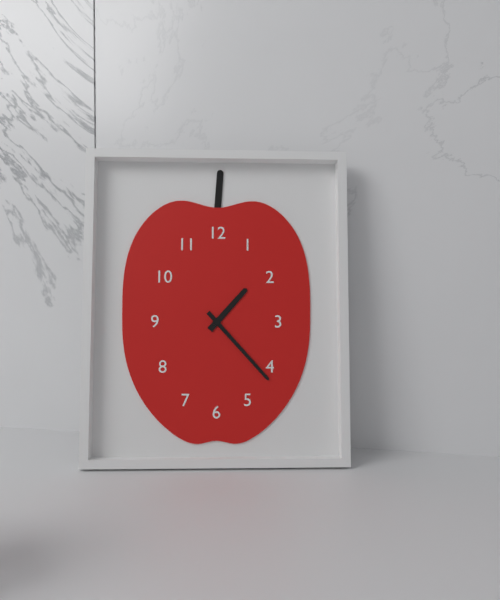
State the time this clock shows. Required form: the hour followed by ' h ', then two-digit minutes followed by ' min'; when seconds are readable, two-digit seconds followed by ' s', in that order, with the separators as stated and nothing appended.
1 h 23 min
